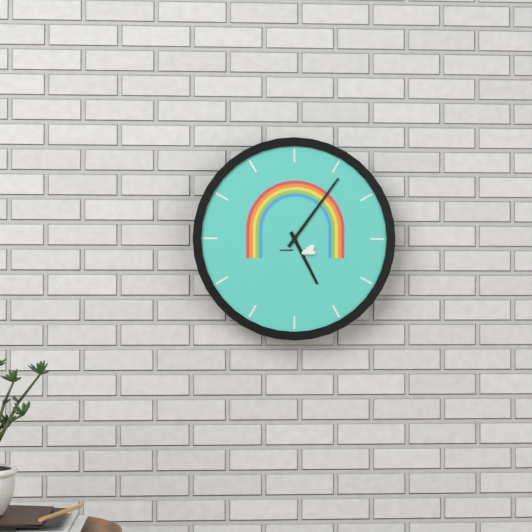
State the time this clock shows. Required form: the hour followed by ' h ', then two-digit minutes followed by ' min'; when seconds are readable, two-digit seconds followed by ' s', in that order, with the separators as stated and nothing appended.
5 h 06 min
